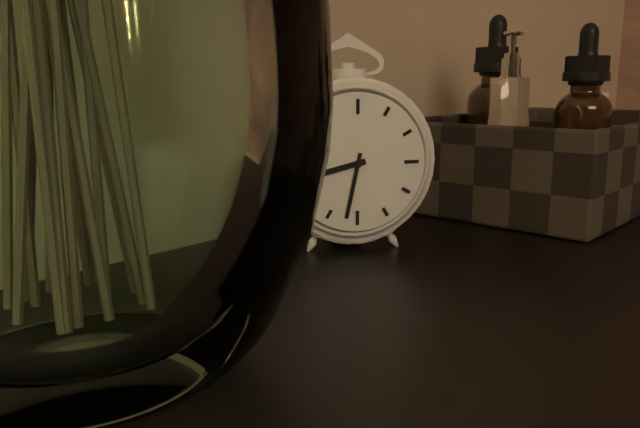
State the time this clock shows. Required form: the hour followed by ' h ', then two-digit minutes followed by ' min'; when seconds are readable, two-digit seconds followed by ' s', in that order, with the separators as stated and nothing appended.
8 h 32 min
